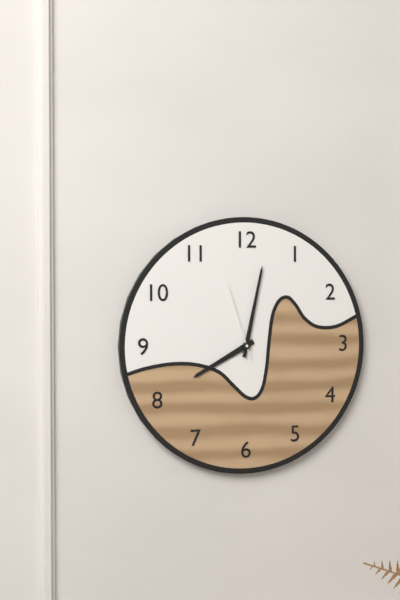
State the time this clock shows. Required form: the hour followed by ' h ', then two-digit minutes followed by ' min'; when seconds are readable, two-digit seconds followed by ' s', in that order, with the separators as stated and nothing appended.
8 h 02 min 57 s
